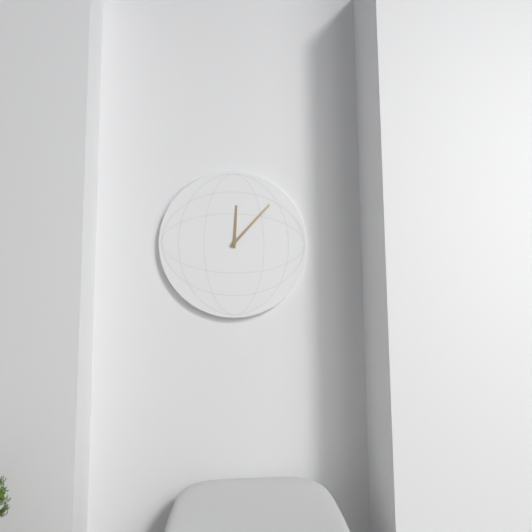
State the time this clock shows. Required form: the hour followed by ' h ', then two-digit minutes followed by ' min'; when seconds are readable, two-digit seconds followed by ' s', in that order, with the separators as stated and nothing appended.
12 h 07 min
